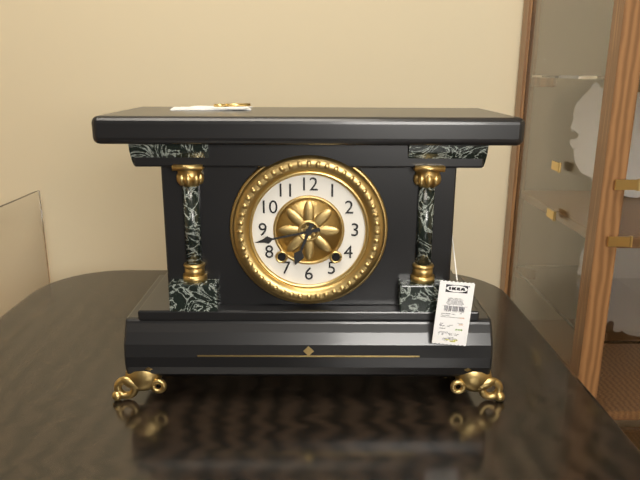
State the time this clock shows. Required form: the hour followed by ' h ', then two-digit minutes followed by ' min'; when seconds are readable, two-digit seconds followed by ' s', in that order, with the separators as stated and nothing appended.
6 h 43 min
